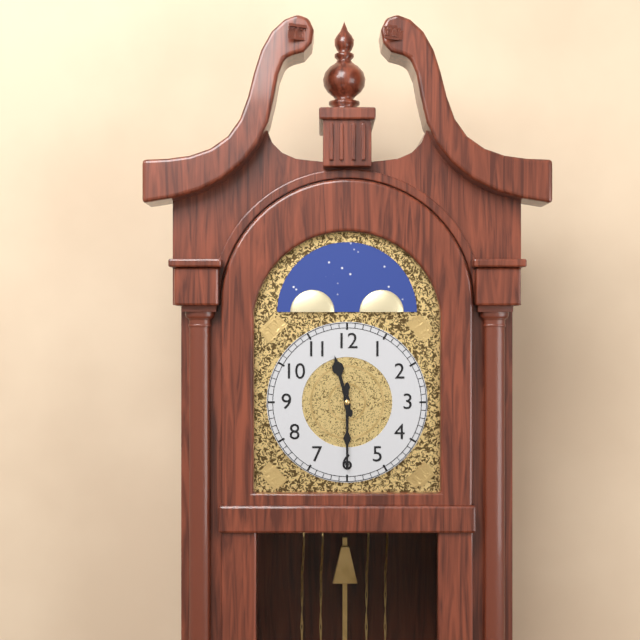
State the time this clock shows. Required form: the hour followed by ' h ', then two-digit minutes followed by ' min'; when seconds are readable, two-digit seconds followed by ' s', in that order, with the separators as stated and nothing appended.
11 h 30 min
